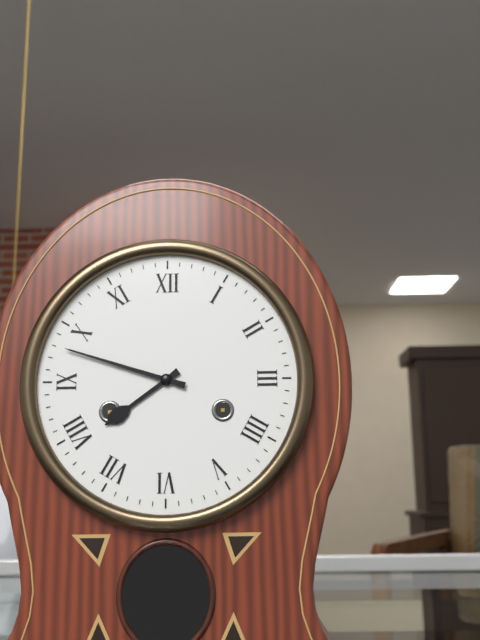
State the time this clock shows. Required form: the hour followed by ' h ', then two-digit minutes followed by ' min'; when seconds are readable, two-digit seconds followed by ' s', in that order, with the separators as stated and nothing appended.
7 h 48 min
